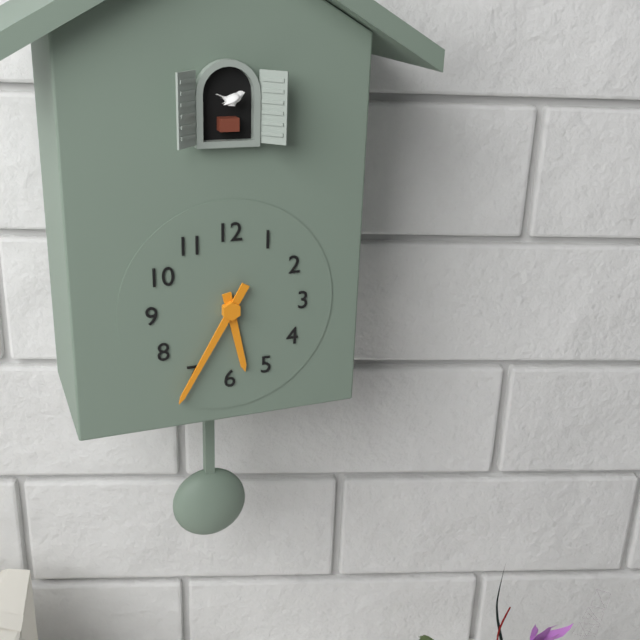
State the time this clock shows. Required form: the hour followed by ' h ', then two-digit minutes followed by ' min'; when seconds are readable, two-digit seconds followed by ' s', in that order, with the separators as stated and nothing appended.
5 h 35 min
